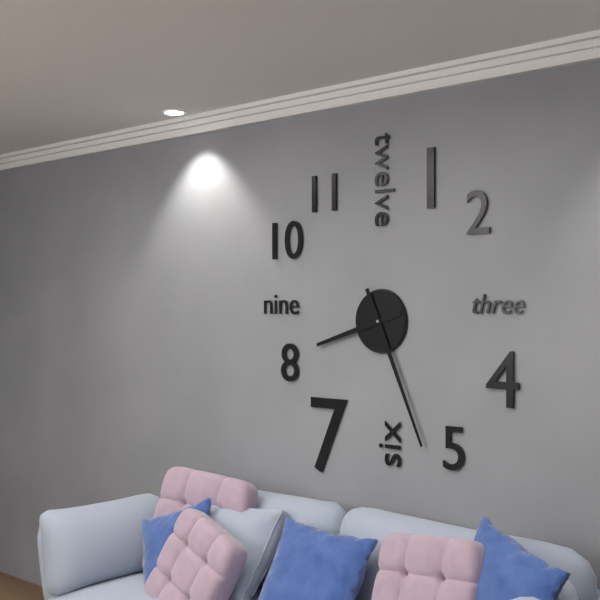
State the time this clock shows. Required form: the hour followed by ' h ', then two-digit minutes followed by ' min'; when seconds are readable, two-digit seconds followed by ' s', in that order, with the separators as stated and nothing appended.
8 h 26 min
